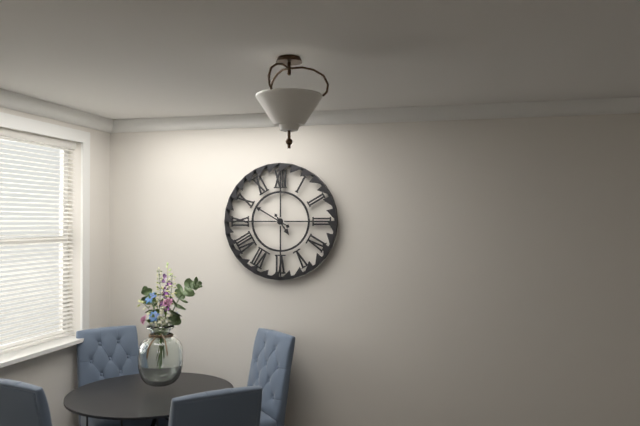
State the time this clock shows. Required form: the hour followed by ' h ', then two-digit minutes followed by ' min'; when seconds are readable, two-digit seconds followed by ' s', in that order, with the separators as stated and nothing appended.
4 h 50 min
